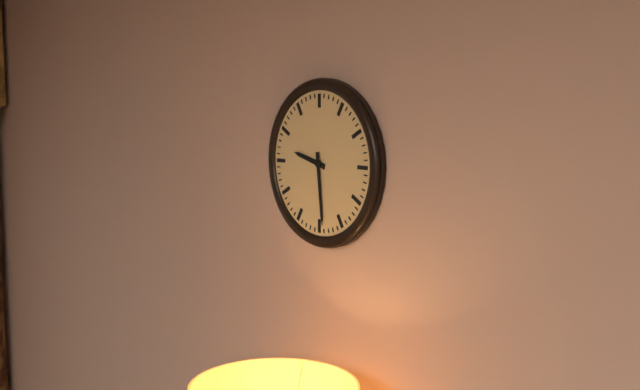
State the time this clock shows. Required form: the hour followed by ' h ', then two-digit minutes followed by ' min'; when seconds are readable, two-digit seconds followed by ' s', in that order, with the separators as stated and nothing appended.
9 h 29 min
